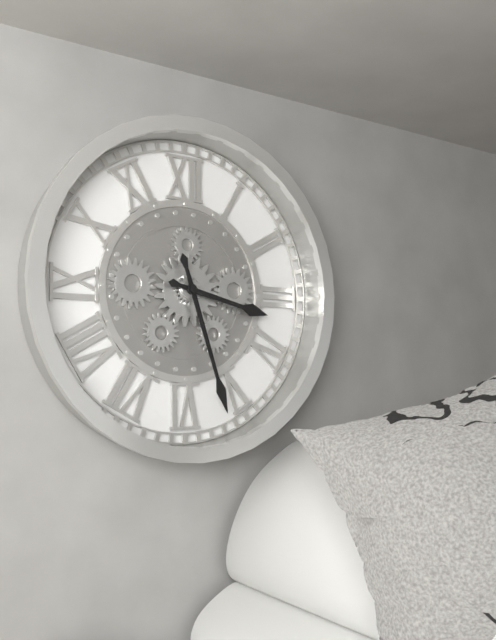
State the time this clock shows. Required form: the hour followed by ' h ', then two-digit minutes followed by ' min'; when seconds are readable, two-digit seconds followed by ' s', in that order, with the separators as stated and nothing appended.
3 h 27 min
